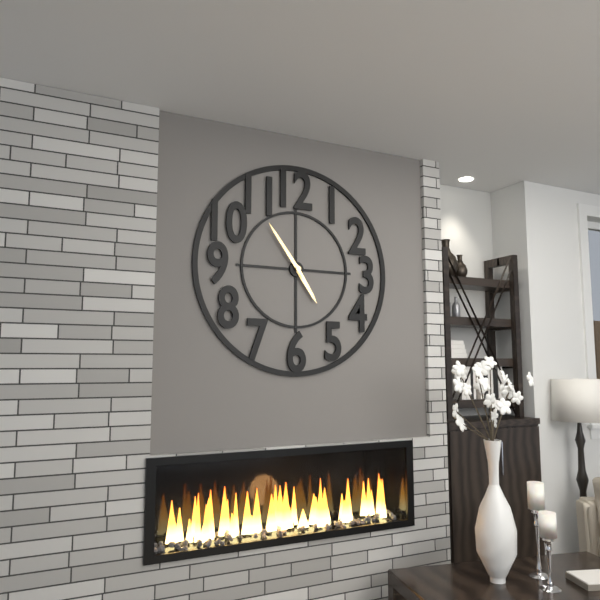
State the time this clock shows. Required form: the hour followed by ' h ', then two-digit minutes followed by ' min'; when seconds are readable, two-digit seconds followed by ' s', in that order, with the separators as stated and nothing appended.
4 h 54 min
